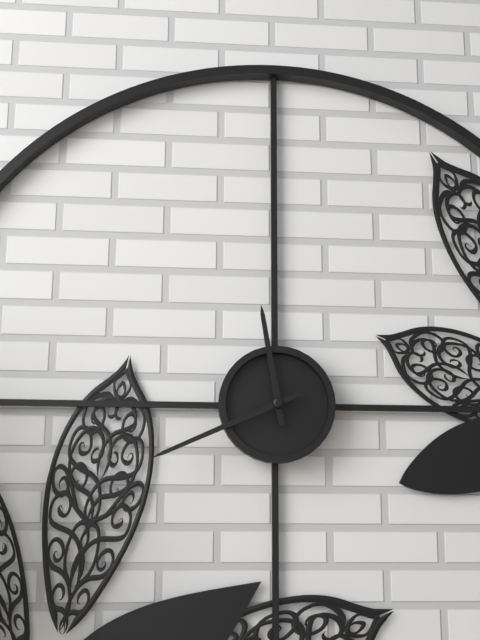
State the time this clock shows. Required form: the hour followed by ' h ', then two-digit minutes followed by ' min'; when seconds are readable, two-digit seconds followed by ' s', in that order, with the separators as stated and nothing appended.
11 h 41 min
